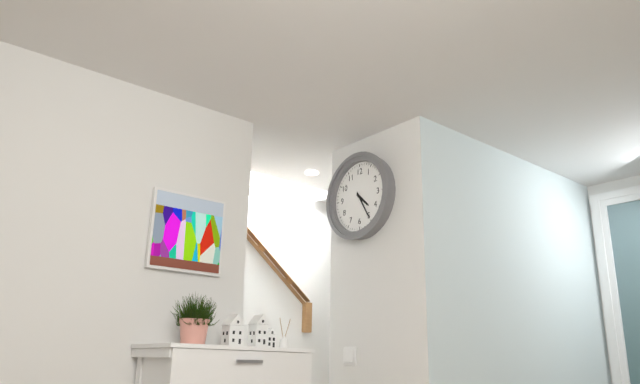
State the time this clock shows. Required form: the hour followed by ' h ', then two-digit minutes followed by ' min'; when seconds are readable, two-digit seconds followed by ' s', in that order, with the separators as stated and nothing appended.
4 h 25 min
